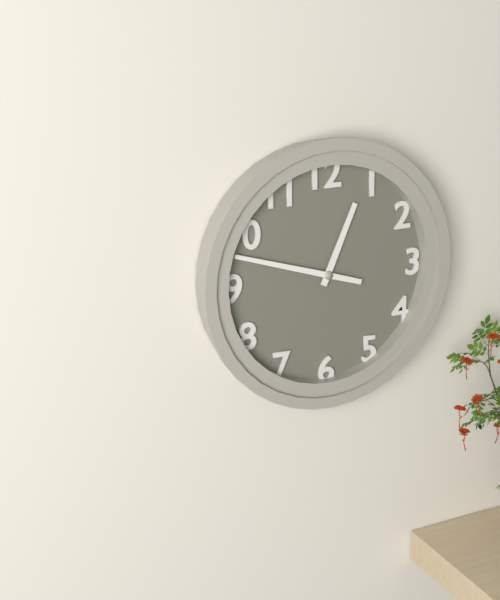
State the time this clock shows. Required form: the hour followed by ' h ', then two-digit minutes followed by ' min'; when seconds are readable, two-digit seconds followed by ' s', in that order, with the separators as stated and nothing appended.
12 h 48 min
